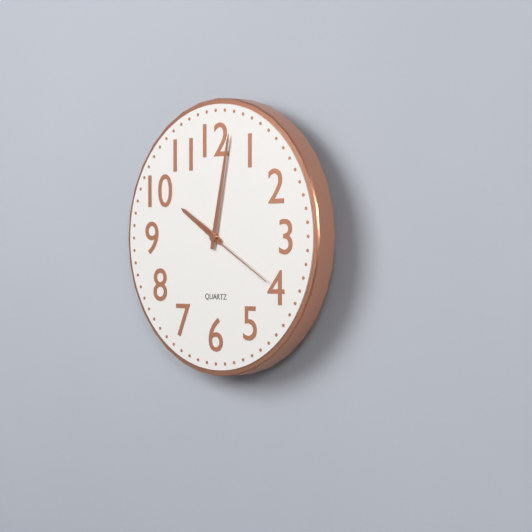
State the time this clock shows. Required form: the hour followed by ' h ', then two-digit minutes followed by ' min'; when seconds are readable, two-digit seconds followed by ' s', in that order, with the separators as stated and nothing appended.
10 h 02 min 20 s
